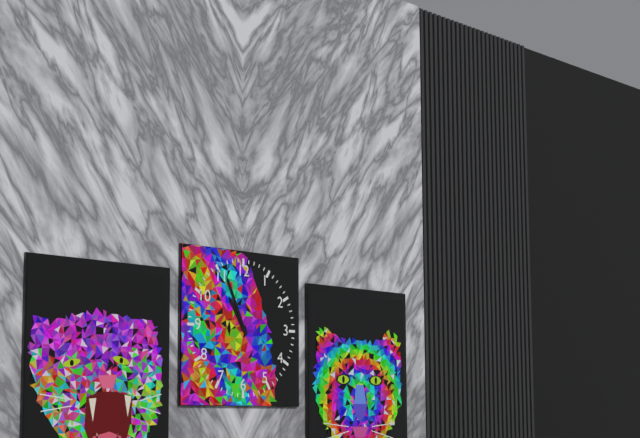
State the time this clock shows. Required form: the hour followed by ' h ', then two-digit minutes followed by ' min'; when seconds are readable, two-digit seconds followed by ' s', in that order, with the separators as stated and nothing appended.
10 h 56 min
